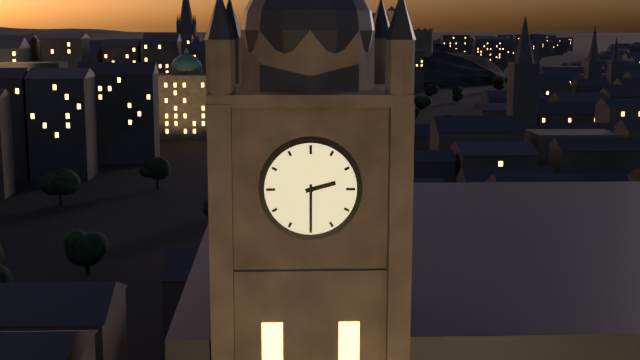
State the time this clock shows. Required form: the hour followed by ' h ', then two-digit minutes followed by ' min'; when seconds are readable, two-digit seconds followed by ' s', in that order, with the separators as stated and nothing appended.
2 h 30 min
